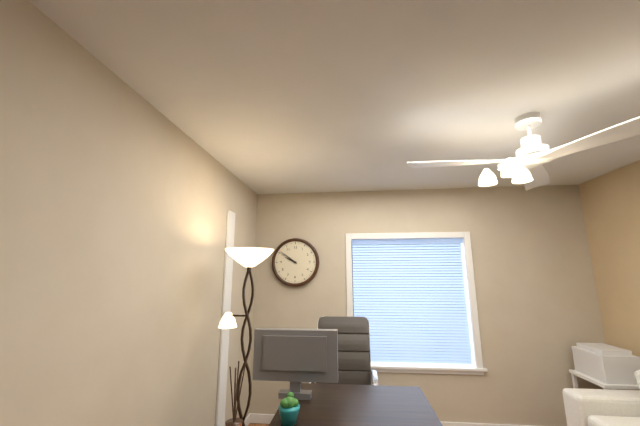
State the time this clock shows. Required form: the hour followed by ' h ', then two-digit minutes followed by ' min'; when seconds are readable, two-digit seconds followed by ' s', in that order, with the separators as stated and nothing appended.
9 h 51 min
